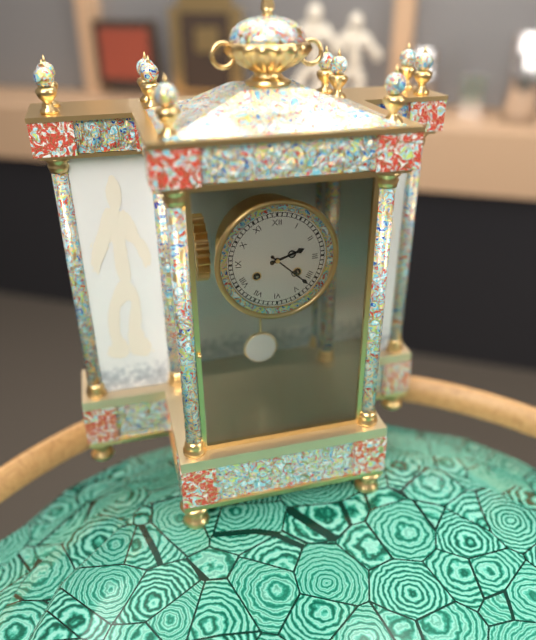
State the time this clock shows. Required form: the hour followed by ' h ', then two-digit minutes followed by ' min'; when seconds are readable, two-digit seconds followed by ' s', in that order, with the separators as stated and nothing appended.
2 h 22 min
